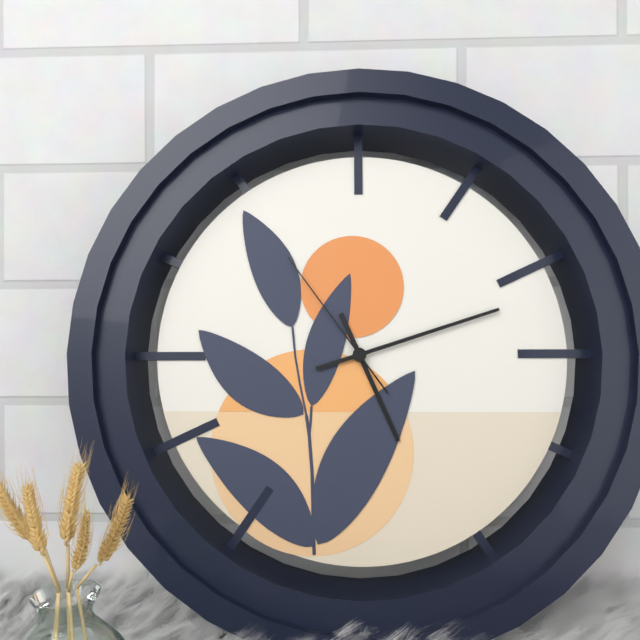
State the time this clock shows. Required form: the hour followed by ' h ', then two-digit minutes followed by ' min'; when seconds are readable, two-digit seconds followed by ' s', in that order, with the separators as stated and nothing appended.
5 h 12 min 54 s
